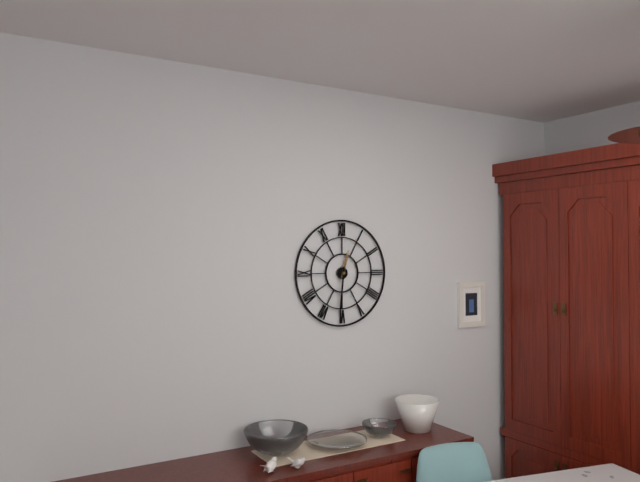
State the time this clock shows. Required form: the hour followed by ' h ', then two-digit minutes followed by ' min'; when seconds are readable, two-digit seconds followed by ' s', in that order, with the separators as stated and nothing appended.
12 h 31 min
